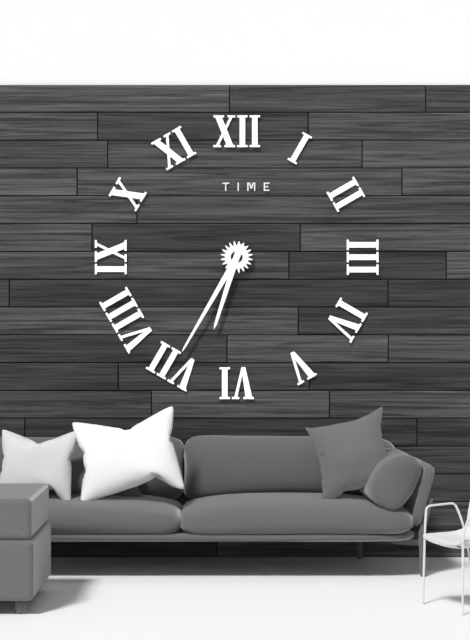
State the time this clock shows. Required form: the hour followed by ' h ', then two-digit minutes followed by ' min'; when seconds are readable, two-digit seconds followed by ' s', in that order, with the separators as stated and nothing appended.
6 h 35 min
